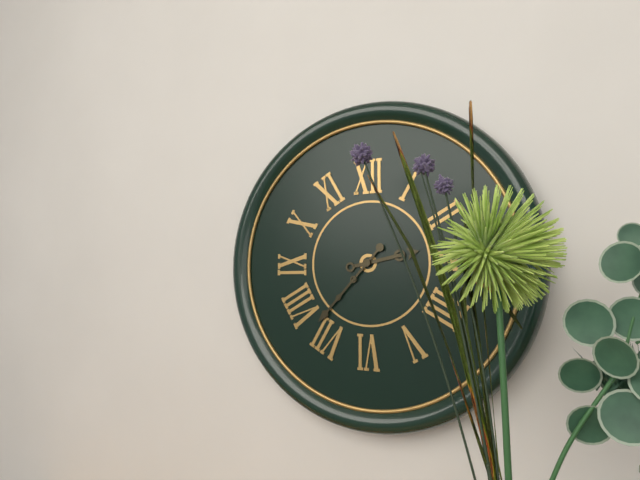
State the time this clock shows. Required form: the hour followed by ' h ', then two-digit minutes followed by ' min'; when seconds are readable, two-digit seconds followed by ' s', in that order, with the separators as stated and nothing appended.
2 h 37 min
